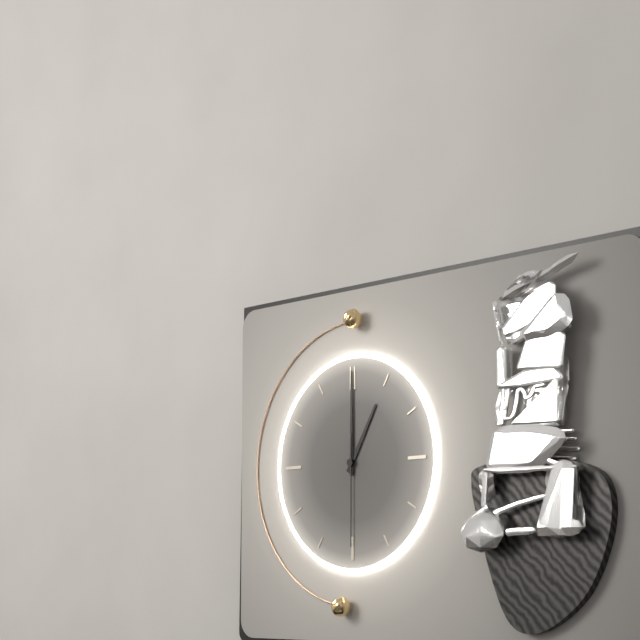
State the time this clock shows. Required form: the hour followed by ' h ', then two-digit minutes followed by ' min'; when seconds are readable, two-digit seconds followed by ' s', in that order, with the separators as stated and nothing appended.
1 h 00 min 30 s
